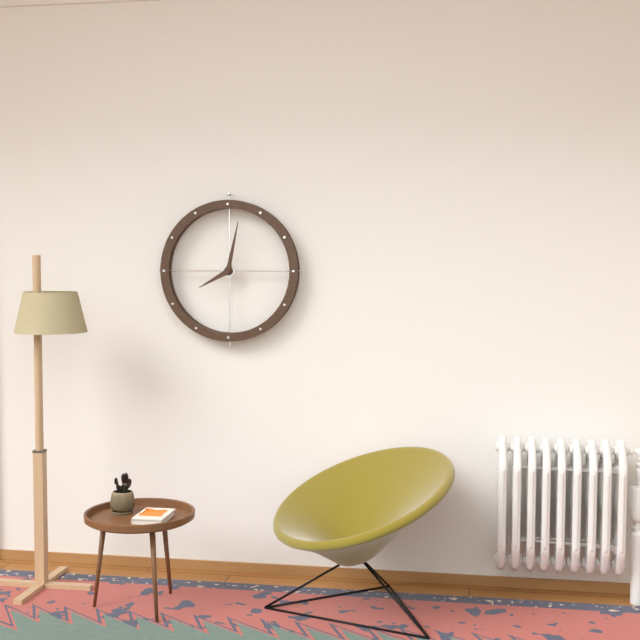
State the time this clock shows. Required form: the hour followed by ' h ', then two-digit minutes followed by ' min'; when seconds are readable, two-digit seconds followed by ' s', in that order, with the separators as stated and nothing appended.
8 h 02 min
